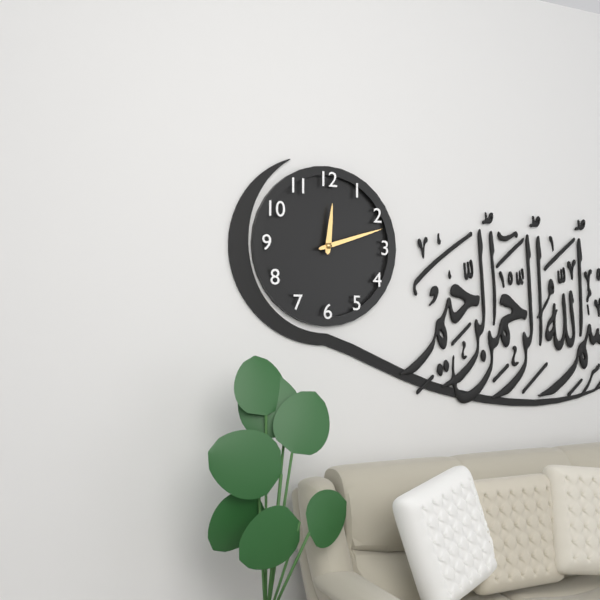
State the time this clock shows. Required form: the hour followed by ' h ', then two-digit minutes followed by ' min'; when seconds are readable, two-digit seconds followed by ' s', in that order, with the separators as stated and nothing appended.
12 h 12 min
